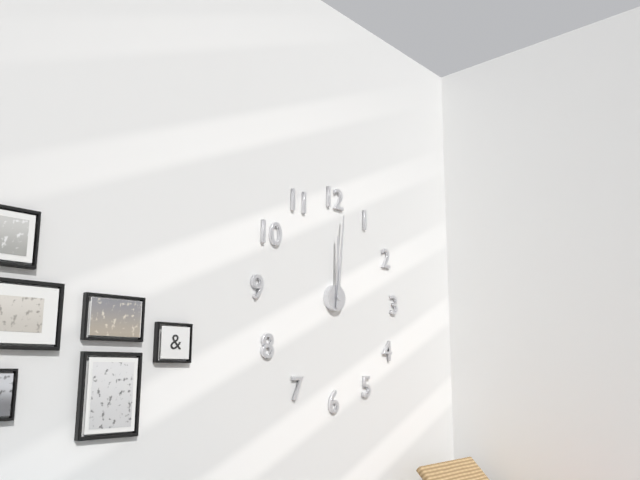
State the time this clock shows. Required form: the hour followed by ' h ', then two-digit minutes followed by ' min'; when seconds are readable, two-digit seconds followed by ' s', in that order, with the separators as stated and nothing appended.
12 h 01 min
